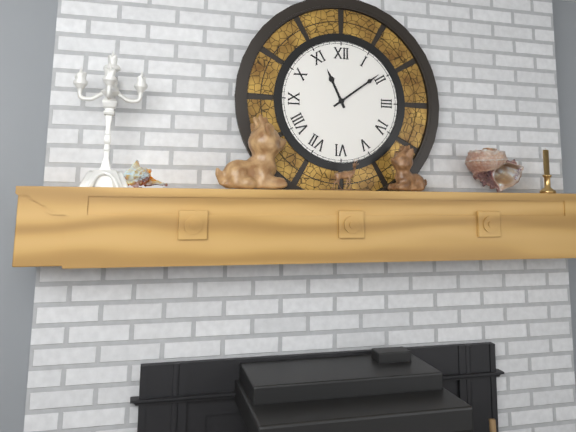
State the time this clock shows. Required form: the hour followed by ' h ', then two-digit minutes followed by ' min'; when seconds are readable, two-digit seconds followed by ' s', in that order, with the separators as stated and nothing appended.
11 h 09 min
